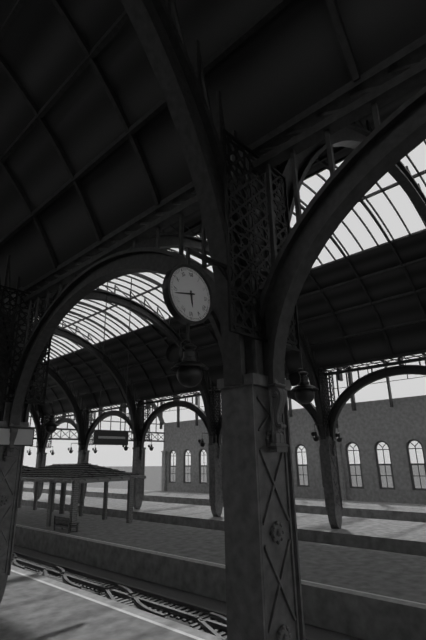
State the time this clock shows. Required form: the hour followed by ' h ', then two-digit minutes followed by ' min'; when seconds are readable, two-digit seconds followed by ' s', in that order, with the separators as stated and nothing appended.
5 h 43 min
